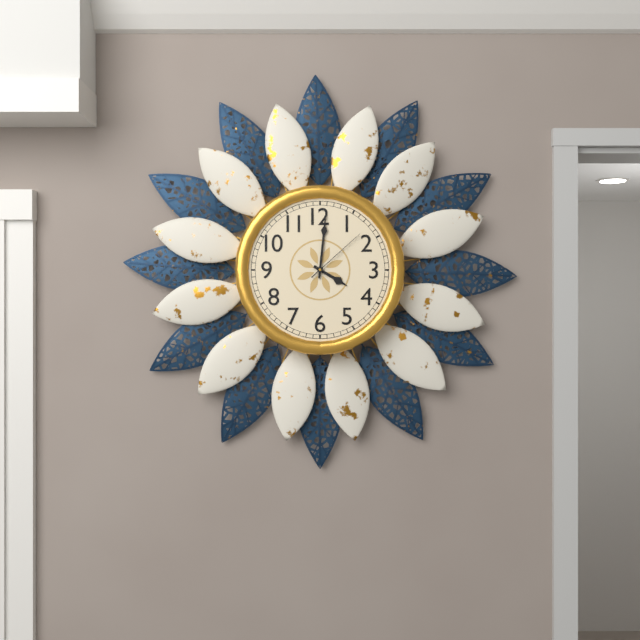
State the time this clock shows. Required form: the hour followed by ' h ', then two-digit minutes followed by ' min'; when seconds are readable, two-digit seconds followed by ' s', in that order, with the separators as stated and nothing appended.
4 h 01 min 08 s
